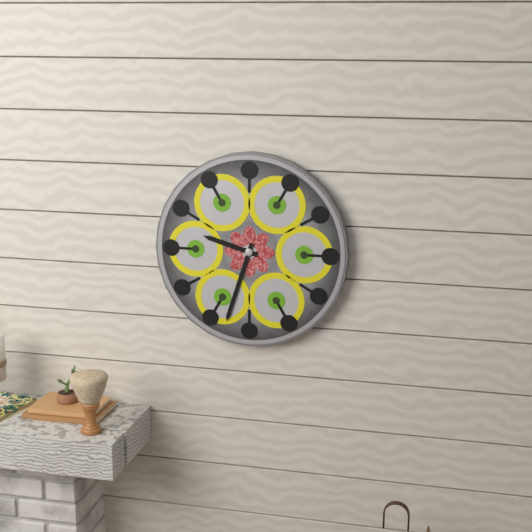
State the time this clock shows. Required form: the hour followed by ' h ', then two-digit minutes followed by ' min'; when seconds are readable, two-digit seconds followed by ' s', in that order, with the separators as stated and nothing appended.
9 h 33 min
